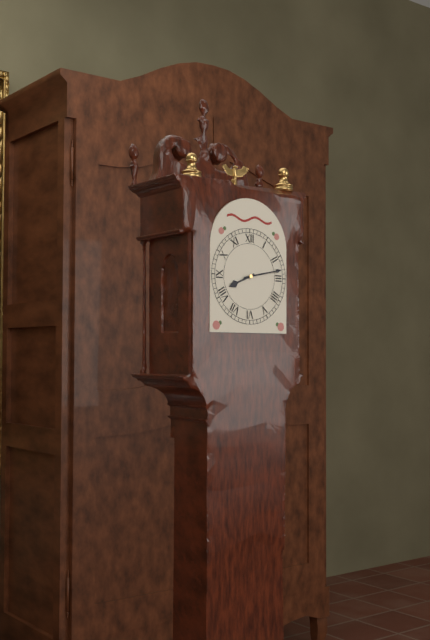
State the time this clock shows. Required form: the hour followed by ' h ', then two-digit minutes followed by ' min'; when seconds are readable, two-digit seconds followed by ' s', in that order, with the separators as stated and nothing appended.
8 h 13 min
